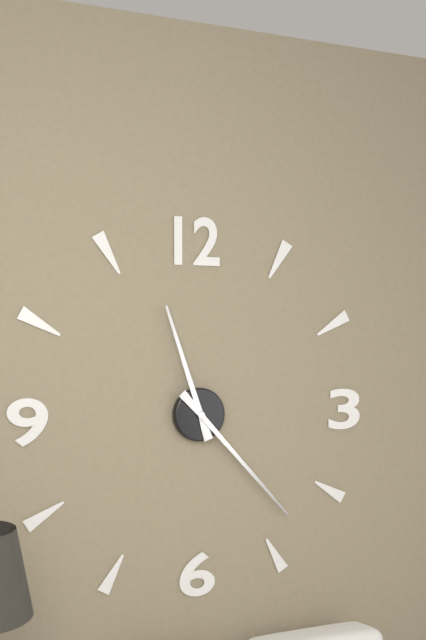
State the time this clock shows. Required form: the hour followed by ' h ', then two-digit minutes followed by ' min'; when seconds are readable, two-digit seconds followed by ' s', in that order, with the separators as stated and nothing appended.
11 h 23 min
